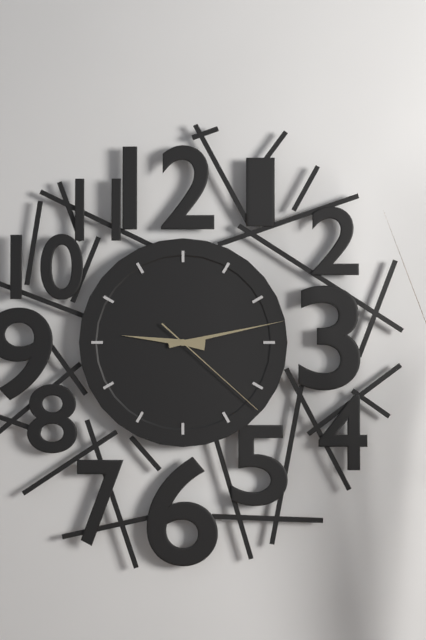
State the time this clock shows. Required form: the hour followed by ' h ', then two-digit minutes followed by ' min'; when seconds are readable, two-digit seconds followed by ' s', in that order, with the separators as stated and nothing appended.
9 h 13 min 22 s
